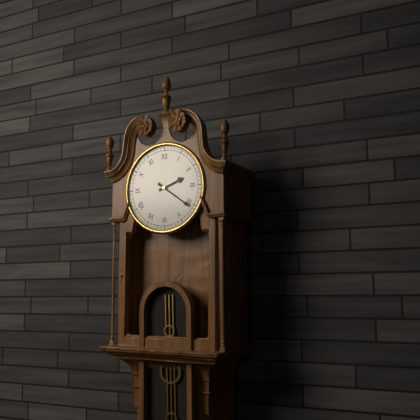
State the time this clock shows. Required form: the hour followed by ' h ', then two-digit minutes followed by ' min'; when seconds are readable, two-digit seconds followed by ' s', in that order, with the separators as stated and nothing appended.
2 h 21 min
